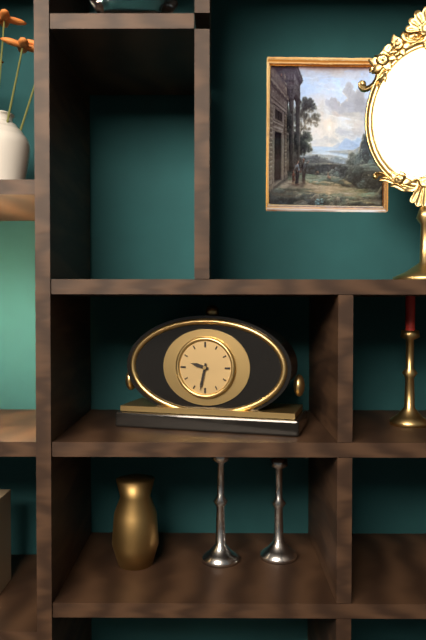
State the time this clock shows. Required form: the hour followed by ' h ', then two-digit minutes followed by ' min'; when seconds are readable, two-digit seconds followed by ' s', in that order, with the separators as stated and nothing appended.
9 h 32 min
